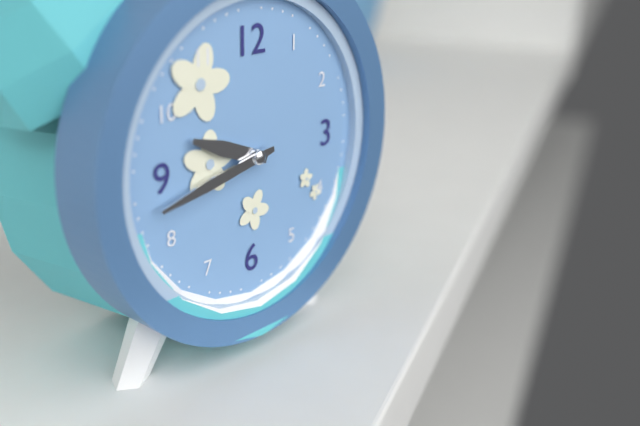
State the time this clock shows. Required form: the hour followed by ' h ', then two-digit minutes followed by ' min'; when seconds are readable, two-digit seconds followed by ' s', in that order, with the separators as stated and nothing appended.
9 h 43 min
